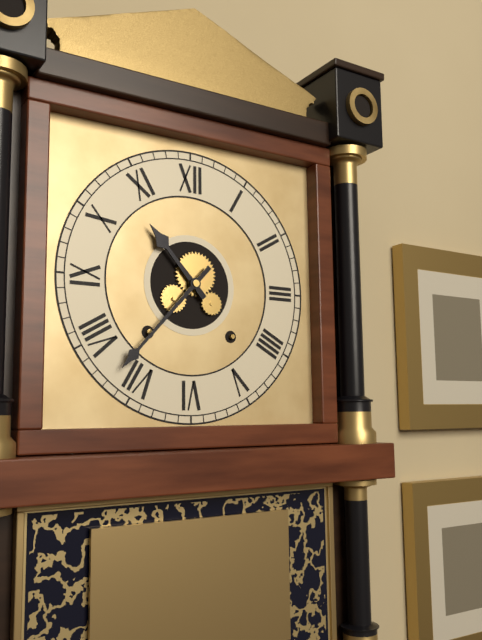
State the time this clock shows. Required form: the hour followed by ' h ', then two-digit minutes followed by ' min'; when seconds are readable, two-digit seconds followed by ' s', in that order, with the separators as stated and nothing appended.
10 h 37 min
